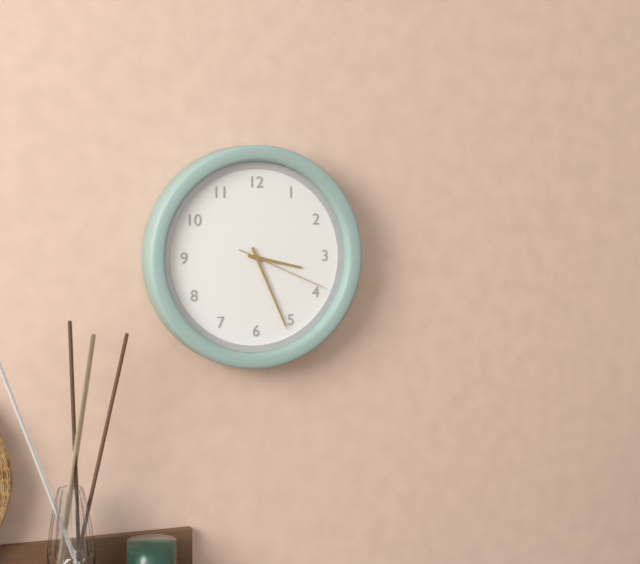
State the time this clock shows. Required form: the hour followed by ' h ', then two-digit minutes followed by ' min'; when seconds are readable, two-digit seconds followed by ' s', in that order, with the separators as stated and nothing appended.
3 h 26 min 19 s
